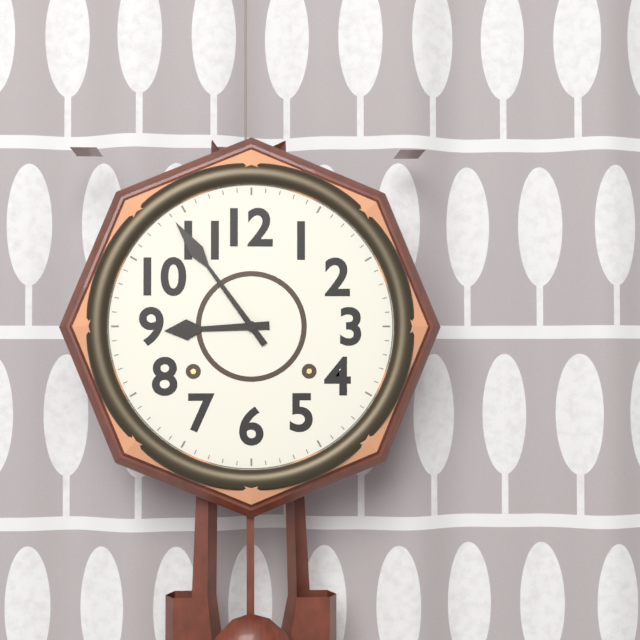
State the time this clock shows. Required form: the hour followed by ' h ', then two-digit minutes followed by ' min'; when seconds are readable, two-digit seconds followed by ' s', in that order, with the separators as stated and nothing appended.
8 h 54 min
